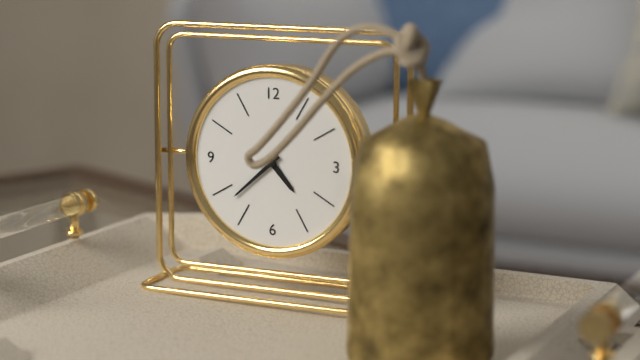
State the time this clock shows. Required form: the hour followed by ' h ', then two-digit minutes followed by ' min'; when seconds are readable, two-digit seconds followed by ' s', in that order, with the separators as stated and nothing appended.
4 h 38 min
